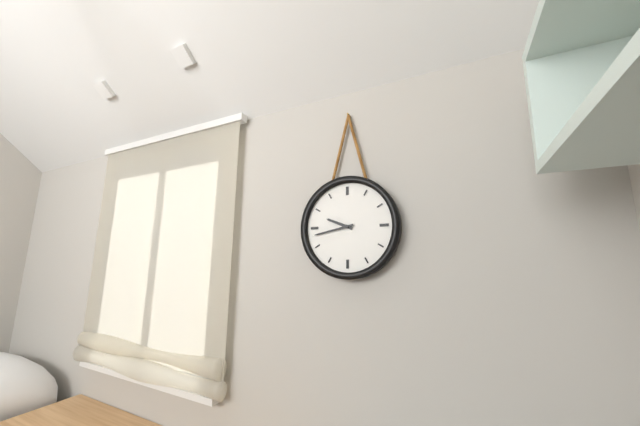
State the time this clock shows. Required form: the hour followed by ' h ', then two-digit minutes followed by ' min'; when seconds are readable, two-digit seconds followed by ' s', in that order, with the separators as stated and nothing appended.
9 h 43 min
